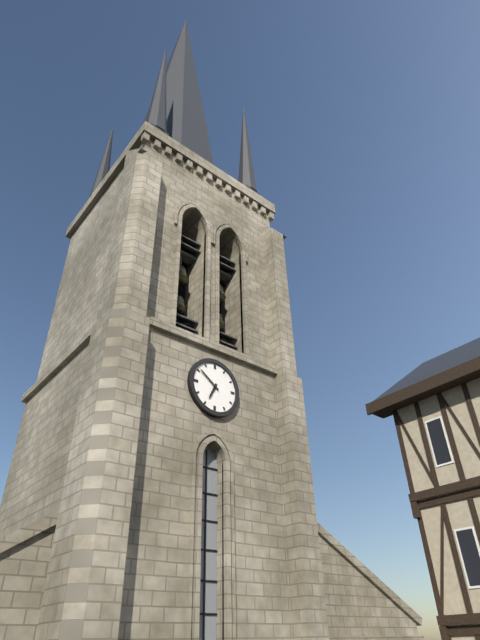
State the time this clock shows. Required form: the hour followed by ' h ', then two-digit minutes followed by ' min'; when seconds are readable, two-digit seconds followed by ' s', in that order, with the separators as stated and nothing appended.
6 h 51 min
